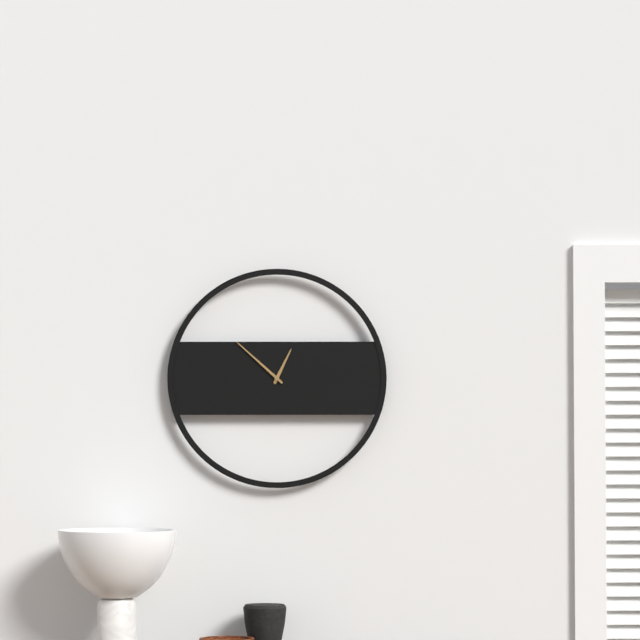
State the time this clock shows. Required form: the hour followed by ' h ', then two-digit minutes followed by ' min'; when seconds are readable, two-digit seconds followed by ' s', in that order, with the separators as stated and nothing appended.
12 h 52 min
